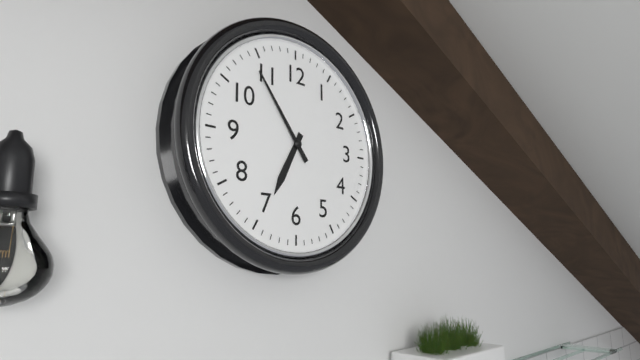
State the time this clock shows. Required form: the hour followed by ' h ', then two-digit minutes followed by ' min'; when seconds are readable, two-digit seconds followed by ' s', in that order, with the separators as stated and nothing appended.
6 h 54 min
